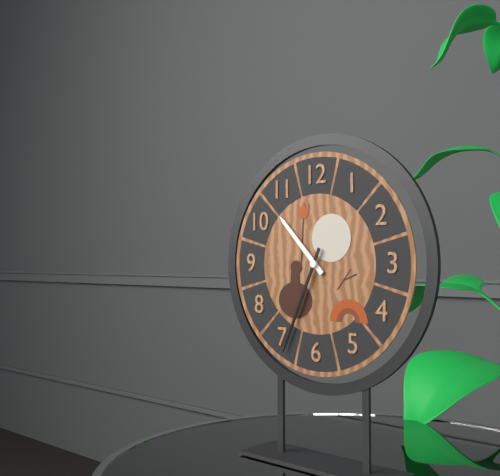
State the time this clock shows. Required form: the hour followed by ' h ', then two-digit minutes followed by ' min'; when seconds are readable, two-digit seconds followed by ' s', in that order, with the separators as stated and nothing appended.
10 h 34 min
